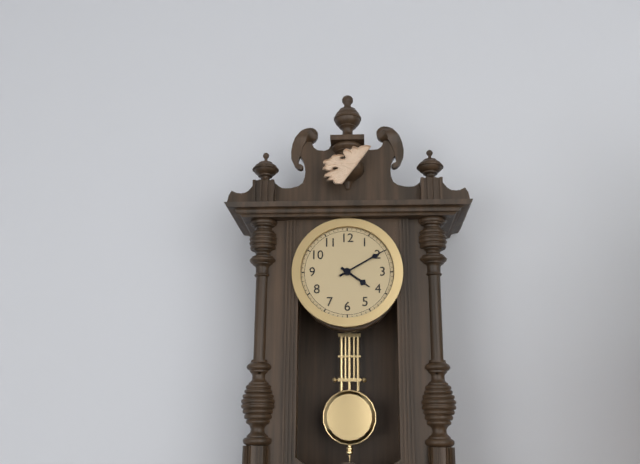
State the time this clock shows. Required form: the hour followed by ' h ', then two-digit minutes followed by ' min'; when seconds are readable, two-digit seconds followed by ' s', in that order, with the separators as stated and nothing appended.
4 h 10 min
